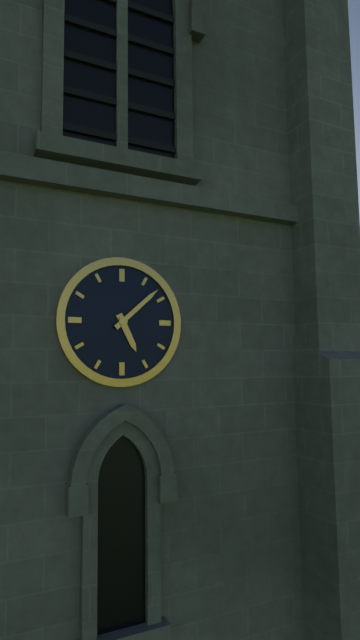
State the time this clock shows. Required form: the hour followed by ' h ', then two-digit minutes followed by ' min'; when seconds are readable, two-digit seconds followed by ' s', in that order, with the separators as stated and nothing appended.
5 h 08 min
